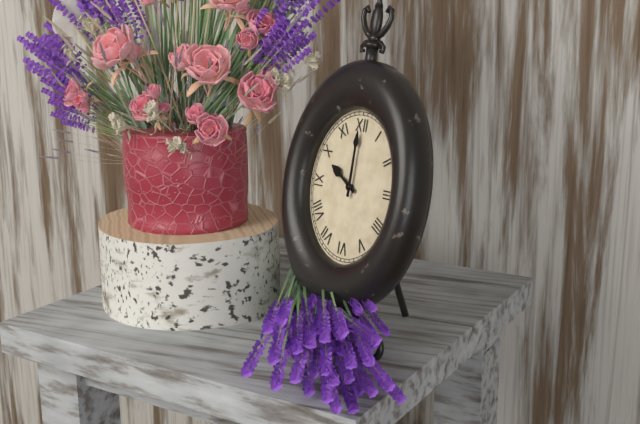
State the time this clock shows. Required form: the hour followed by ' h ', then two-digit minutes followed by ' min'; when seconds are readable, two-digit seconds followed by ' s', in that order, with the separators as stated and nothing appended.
10 h 00 min
